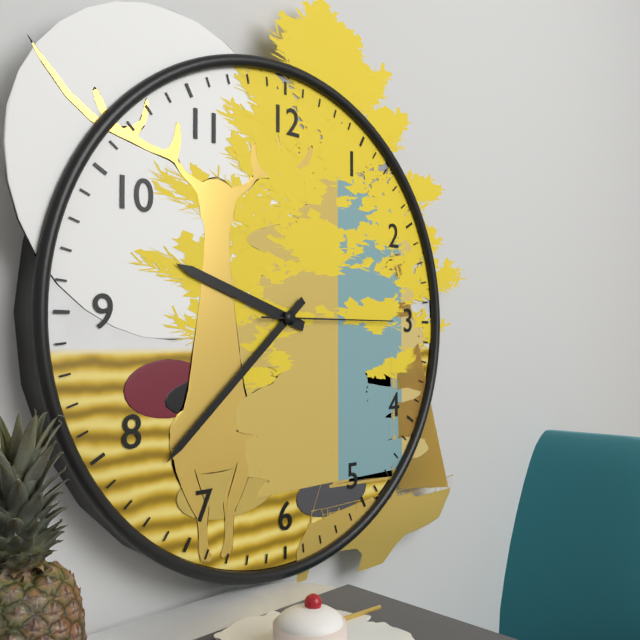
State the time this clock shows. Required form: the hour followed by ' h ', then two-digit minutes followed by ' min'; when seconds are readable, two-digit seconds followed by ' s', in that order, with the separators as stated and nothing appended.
9 h 38 min 15 s
